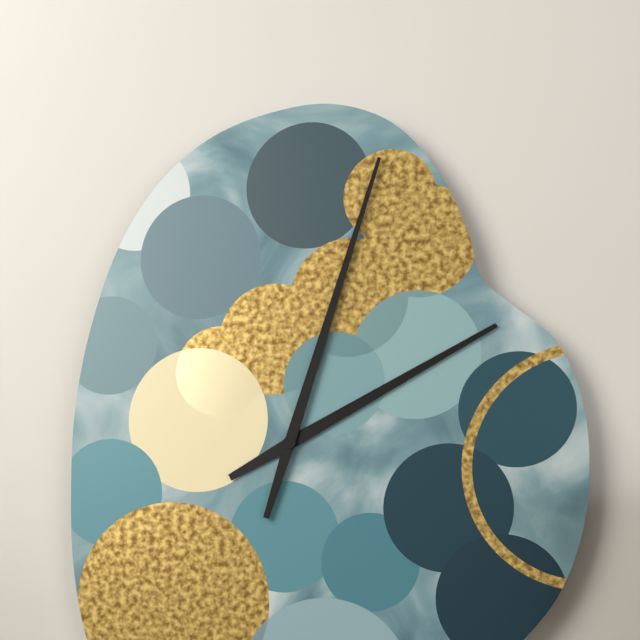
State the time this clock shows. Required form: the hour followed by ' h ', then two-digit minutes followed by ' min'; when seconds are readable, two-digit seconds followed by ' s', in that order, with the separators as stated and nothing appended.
2 h 03 min
